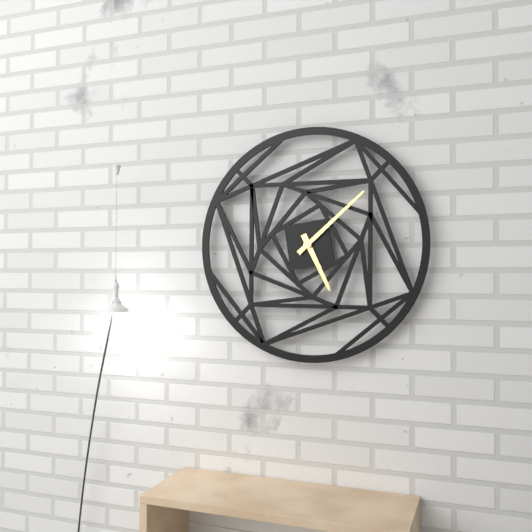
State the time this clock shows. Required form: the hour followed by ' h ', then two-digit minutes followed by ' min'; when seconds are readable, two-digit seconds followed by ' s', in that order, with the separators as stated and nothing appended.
5 h 08 min
